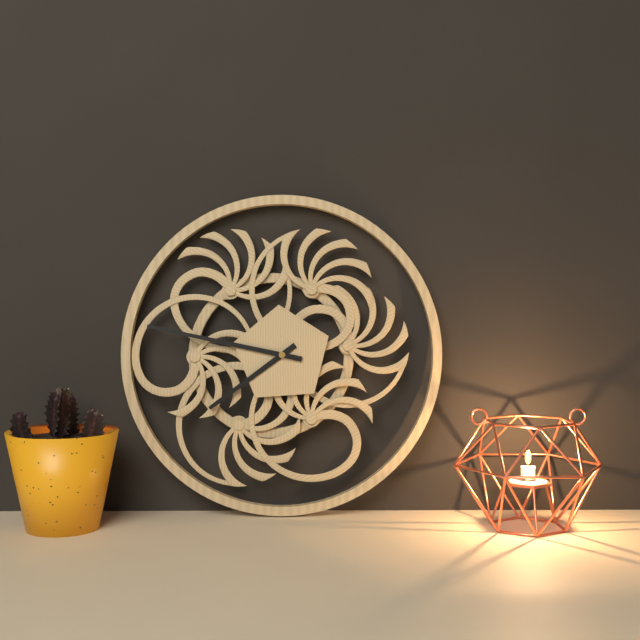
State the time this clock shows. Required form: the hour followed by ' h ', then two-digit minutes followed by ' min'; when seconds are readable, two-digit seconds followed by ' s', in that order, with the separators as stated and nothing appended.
7 h 47 min
